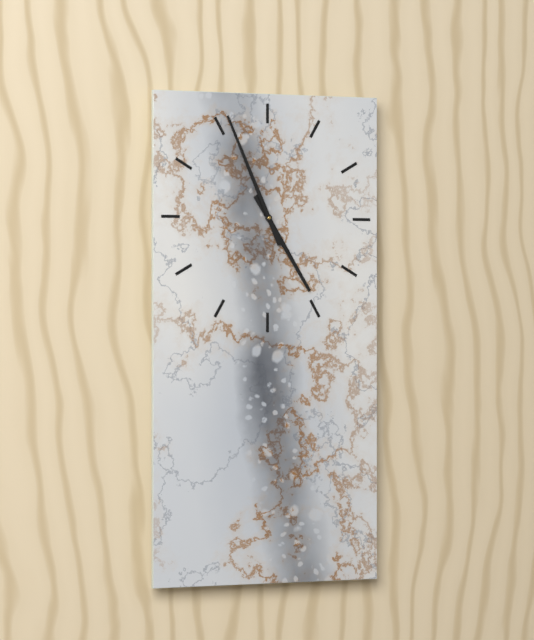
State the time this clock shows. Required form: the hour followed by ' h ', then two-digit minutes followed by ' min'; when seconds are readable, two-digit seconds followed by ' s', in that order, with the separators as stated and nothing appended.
4 h 56 min
